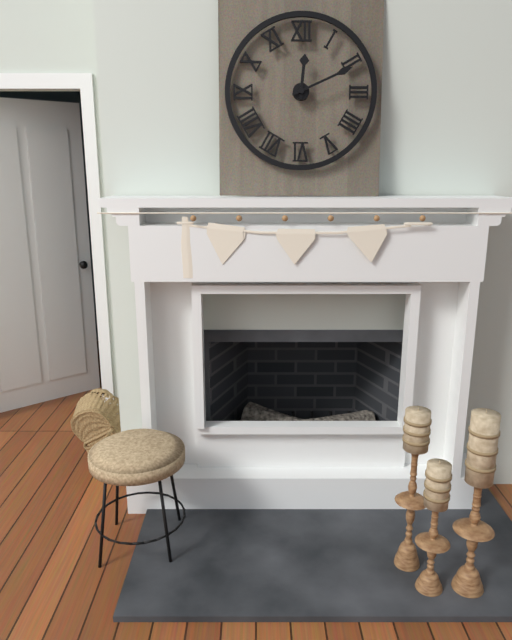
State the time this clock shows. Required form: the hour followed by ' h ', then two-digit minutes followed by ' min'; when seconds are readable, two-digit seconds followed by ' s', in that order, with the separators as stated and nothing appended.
12 h 11 min
